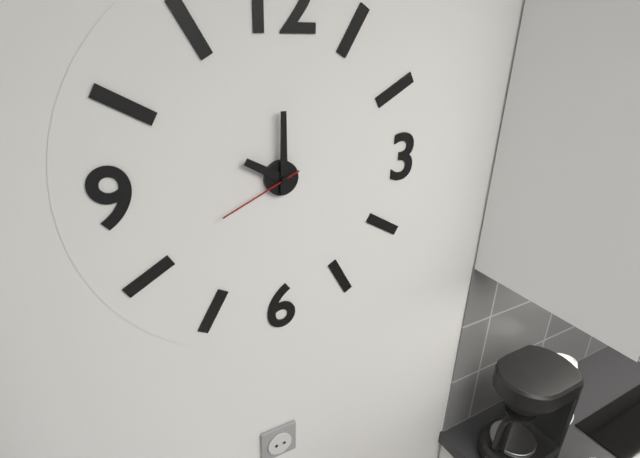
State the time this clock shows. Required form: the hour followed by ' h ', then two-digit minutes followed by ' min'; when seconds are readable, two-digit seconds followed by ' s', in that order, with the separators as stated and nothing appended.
10 h 00 min 41 s
